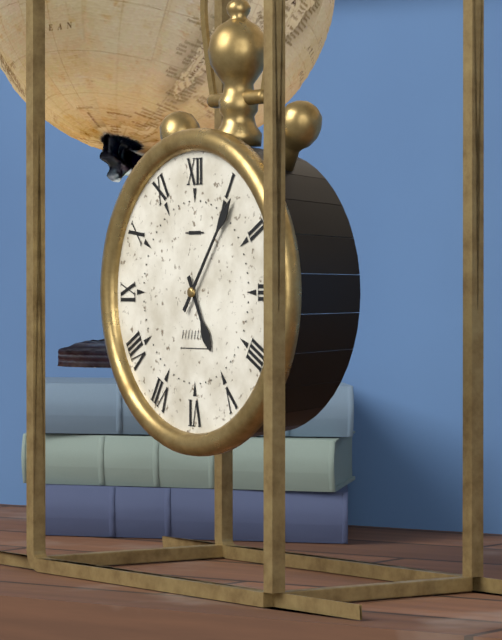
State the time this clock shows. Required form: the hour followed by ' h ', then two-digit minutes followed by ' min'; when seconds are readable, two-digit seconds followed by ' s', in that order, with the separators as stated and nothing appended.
5 h 06 min
